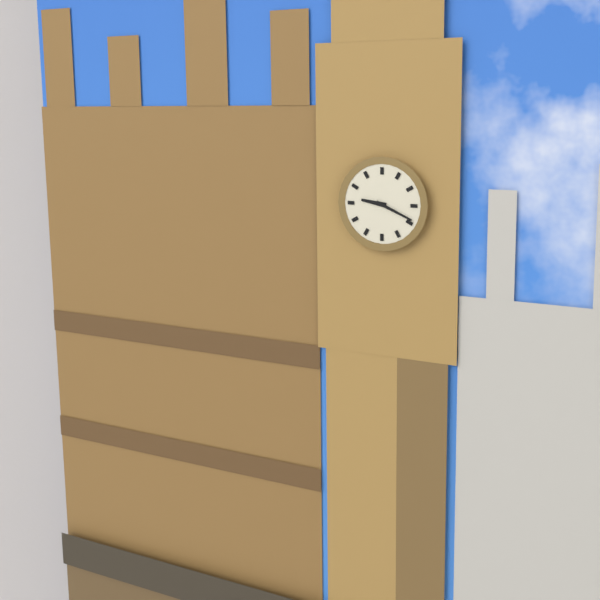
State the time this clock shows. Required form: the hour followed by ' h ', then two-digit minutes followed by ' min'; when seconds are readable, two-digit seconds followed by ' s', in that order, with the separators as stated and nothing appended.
9 h 19 min
